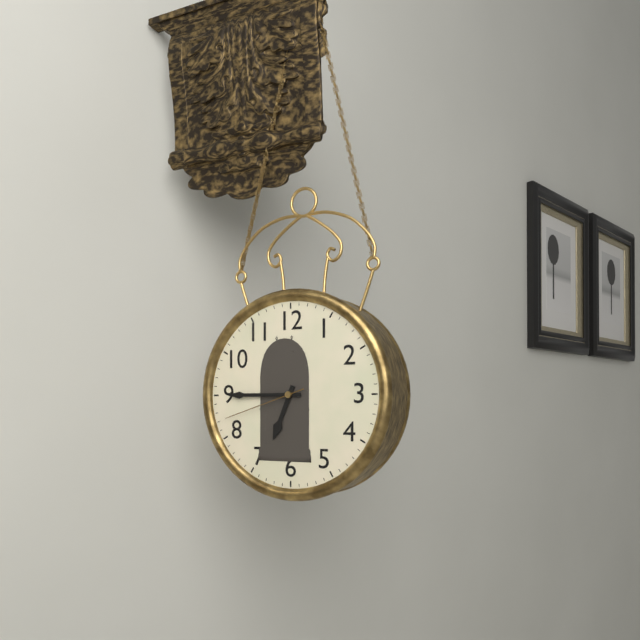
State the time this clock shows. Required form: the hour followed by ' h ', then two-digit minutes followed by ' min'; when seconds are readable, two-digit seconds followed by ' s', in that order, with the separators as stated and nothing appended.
6 h 45 min 42 s
